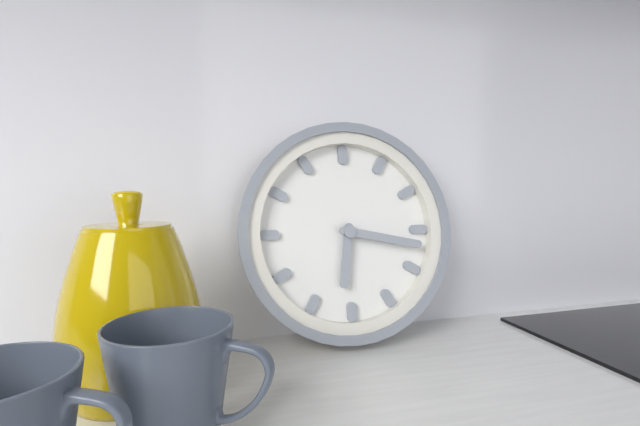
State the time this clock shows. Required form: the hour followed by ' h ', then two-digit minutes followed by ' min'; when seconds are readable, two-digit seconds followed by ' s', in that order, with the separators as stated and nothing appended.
6 h 17 min
